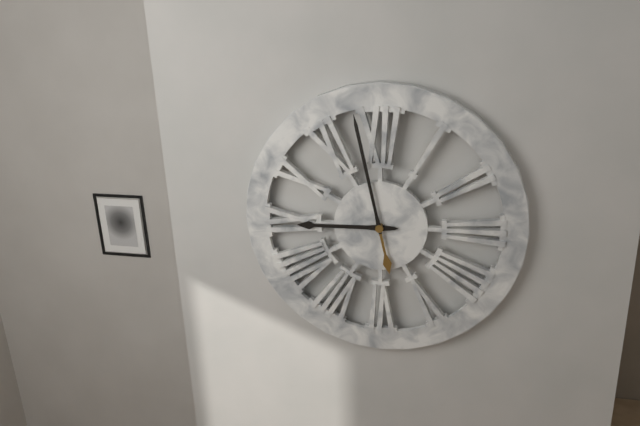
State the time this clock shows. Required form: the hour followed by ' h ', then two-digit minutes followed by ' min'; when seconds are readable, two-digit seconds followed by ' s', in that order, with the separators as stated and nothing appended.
8 h 58 min
